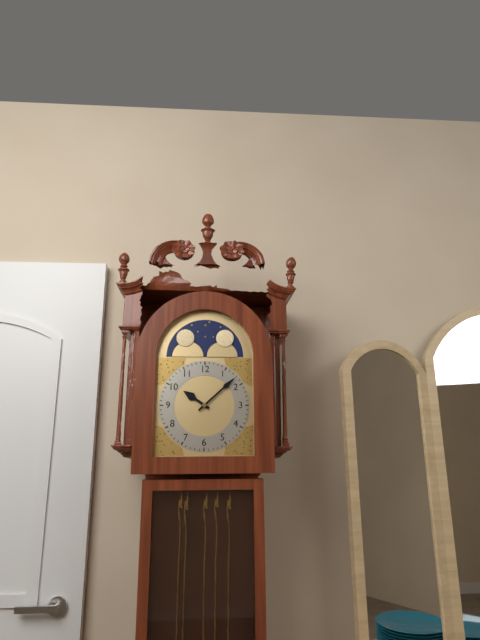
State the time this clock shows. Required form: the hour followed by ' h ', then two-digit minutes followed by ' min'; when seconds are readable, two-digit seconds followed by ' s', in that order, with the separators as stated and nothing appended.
10 h 08 min
